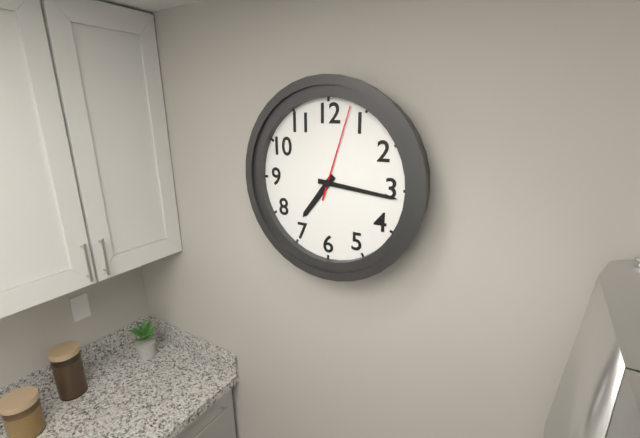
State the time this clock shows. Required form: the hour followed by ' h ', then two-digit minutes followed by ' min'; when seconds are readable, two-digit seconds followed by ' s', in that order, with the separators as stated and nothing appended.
7 h 16 min 03 s
